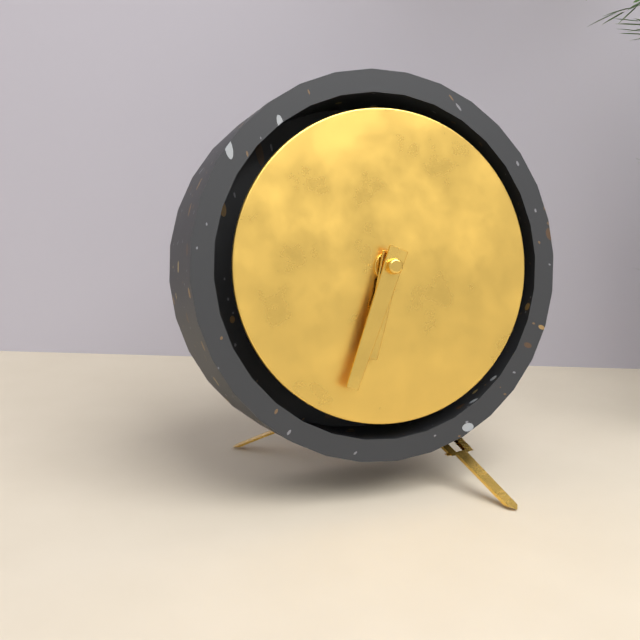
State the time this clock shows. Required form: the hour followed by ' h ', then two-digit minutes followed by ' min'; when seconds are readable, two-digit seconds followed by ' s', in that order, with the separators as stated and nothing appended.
6 h 34 min
